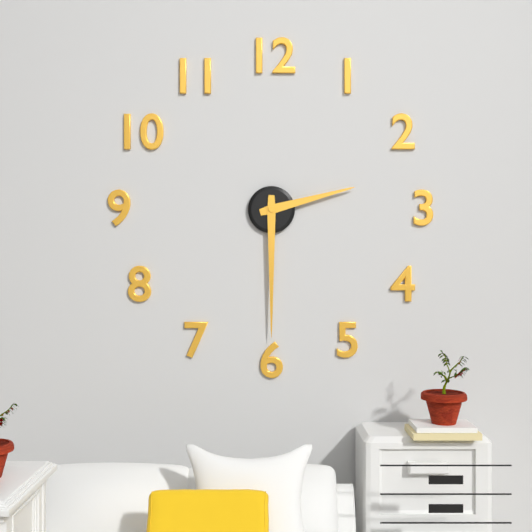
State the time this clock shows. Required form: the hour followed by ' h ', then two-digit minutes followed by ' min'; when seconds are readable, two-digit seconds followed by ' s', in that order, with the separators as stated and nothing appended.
2 h 30 min
